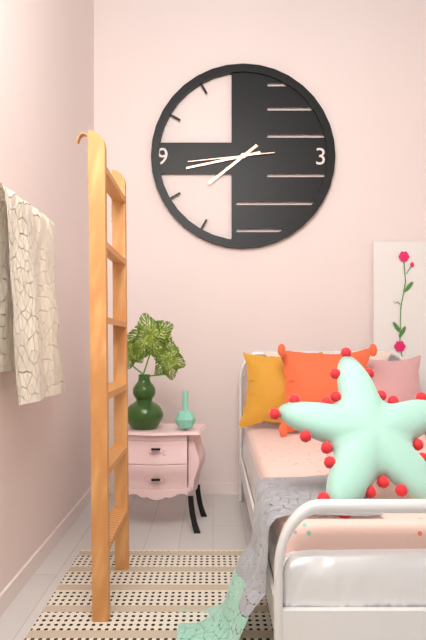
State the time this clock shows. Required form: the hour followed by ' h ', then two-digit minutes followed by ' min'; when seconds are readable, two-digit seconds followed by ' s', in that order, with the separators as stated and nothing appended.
7 h 43 min 44 s
